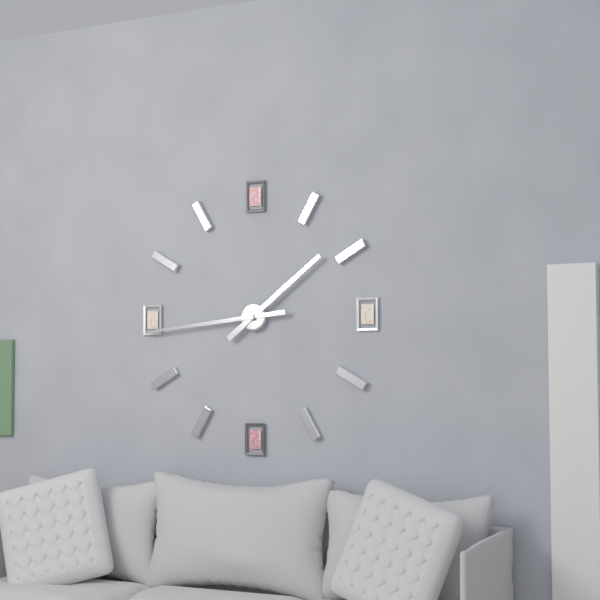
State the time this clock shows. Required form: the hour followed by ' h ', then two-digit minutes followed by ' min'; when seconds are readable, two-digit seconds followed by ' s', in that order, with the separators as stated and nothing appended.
1 h 44 min
